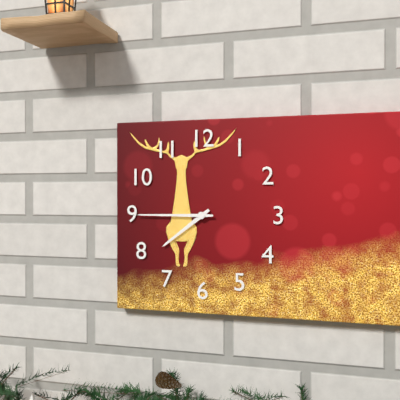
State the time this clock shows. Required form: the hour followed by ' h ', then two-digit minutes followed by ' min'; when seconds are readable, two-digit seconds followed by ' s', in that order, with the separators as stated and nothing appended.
7 h 45 min
